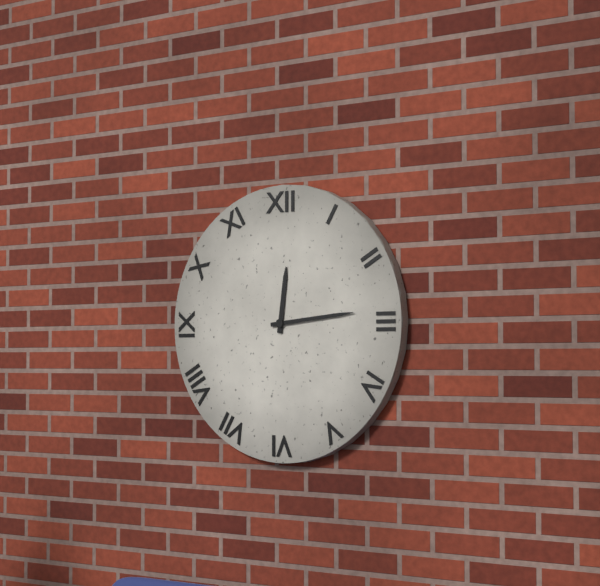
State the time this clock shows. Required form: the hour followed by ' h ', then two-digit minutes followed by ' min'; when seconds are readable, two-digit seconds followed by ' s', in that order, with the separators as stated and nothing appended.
12 h 14 min
